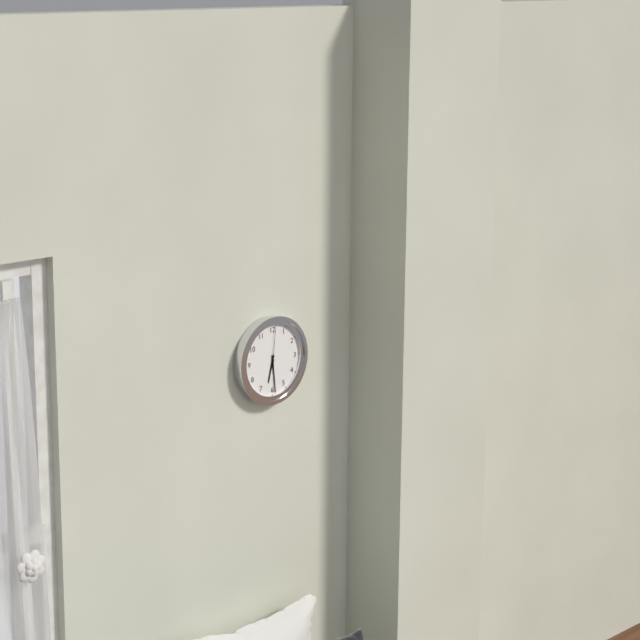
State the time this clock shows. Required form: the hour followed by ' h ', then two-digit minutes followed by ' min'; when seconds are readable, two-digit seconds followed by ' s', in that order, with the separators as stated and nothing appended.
6 h 29 min
